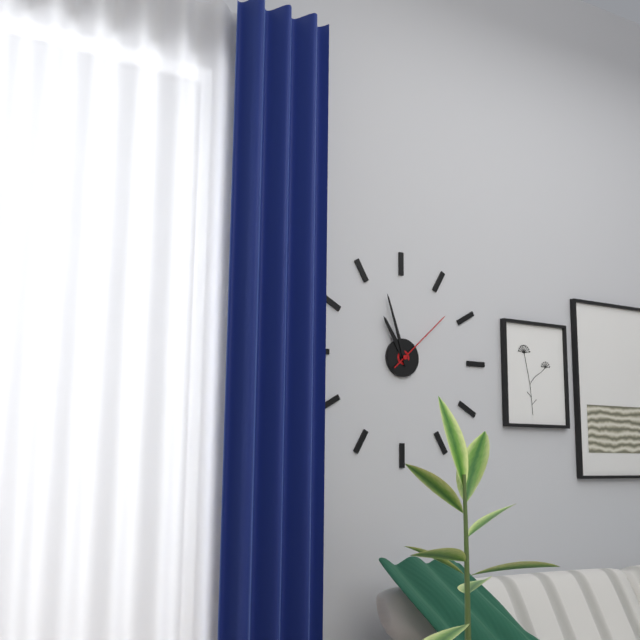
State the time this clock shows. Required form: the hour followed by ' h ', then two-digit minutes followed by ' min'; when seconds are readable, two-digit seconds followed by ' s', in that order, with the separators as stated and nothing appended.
10 h 57 min 08 s
